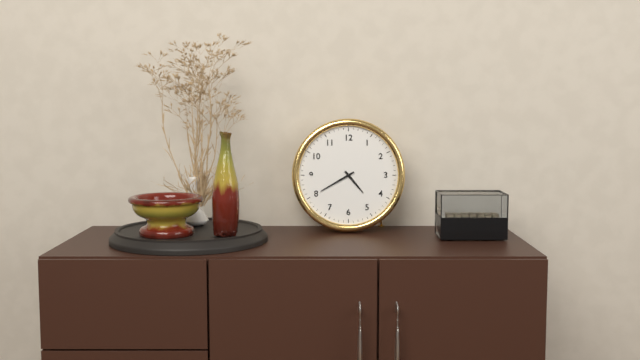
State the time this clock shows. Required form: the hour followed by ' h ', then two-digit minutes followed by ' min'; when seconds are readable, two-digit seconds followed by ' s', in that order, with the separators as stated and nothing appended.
4 h 40 min
